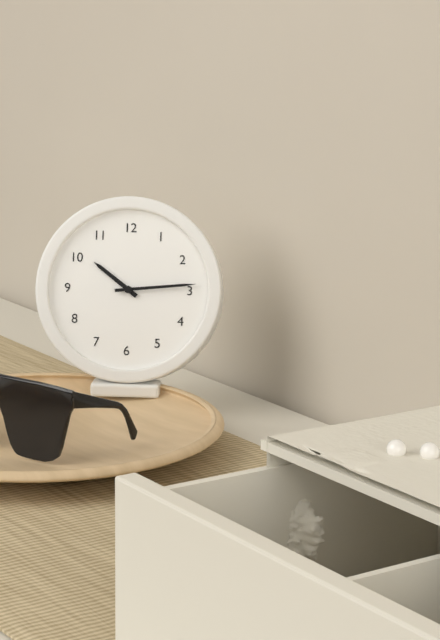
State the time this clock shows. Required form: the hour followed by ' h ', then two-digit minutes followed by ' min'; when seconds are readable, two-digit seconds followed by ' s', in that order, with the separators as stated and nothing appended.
10 h 14 min
